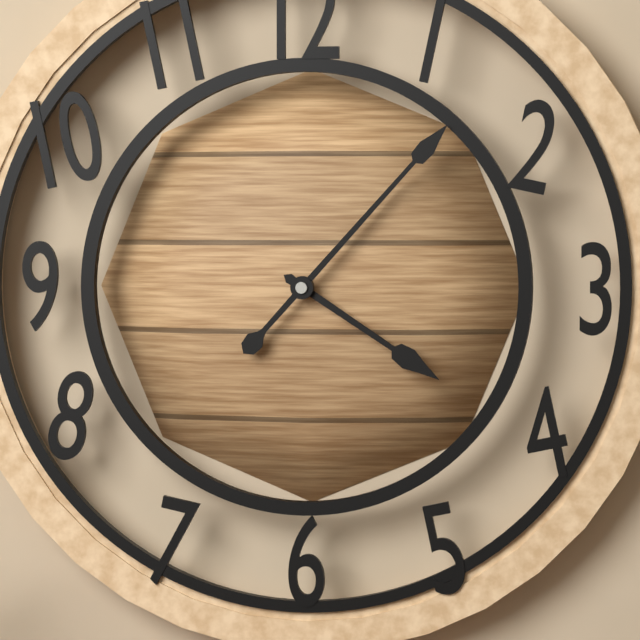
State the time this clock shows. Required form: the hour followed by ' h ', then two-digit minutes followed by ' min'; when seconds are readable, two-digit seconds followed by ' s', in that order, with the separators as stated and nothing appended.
4 h 07 min
